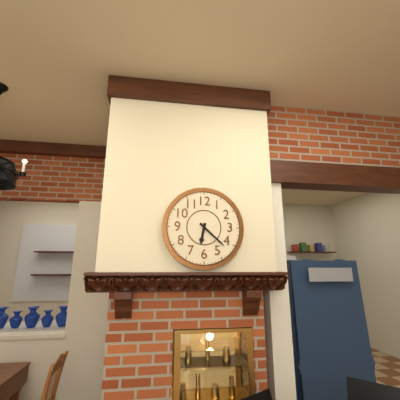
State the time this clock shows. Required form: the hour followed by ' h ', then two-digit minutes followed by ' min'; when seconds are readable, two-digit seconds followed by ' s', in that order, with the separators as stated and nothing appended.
6 h 22 min
